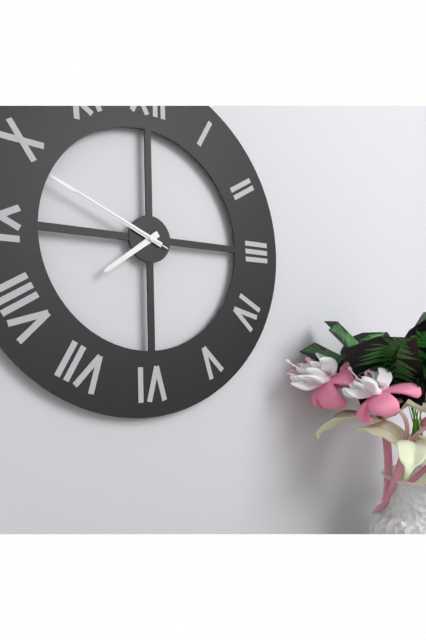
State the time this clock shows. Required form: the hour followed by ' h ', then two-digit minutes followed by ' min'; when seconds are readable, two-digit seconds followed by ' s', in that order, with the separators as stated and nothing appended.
7 h 49 min 49 s
